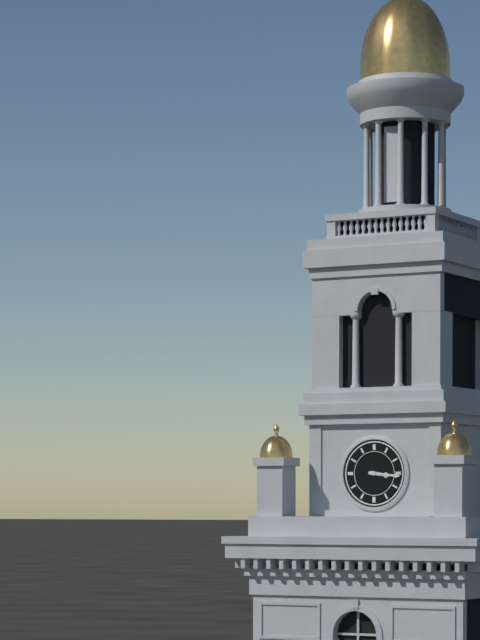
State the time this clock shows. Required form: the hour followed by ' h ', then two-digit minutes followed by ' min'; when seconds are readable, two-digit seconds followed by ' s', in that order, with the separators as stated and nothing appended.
3 h 16 min
